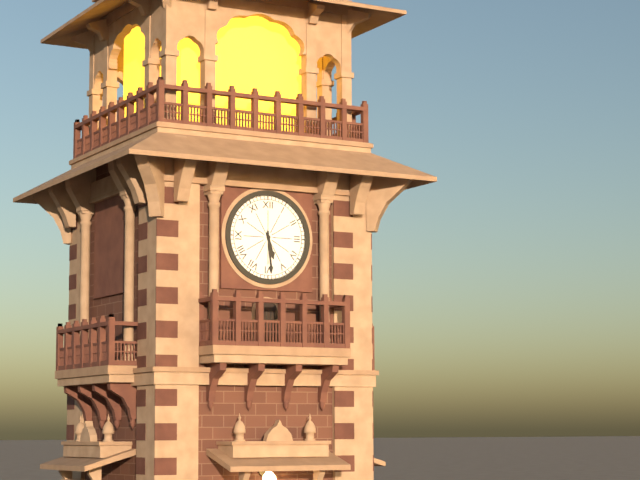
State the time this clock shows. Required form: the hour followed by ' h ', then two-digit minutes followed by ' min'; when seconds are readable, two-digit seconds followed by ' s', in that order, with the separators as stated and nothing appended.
5 h 29 min
